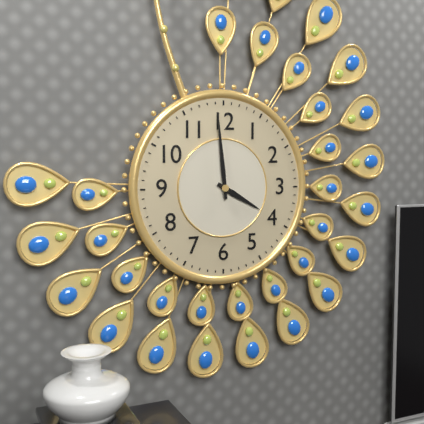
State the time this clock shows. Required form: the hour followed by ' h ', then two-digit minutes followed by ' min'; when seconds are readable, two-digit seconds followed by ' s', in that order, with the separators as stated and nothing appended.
3 h 59 min
